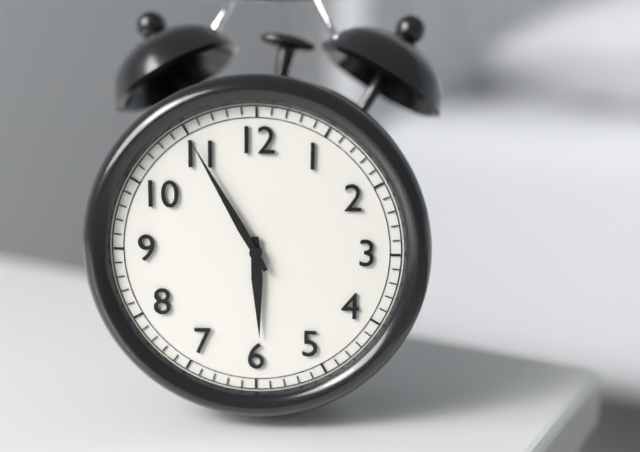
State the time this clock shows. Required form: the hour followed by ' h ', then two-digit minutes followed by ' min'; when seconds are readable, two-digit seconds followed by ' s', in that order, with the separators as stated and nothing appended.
5 h 55 min
